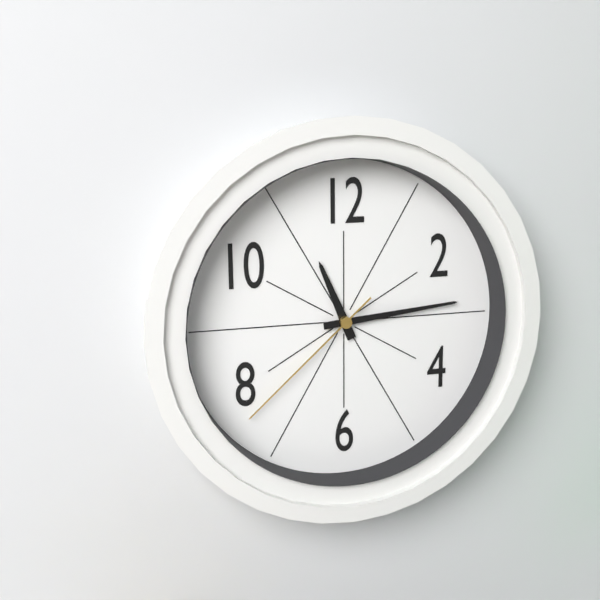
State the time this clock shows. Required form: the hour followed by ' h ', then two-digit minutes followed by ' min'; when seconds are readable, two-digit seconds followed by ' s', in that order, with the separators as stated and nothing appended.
11 h 14 min 38 s
